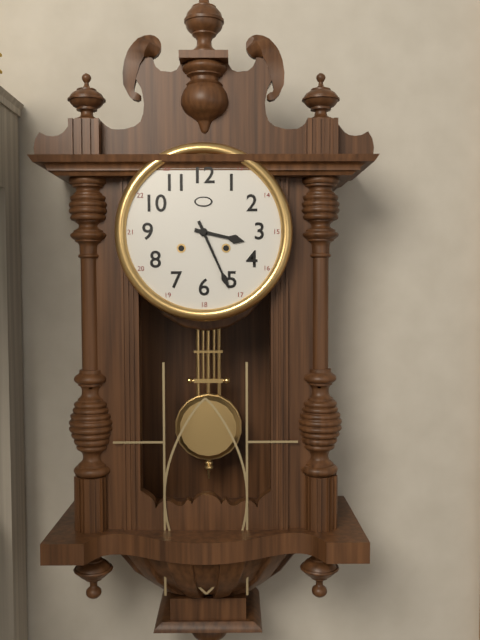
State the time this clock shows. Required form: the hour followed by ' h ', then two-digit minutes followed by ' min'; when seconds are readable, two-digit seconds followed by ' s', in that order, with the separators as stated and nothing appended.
3 h 26 min
